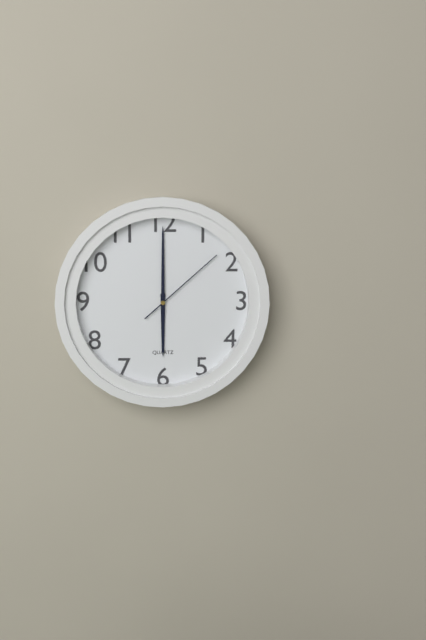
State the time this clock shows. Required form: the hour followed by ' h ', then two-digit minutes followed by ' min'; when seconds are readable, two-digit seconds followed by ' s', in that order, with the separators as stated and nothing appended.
6 h 00 min 08 s
